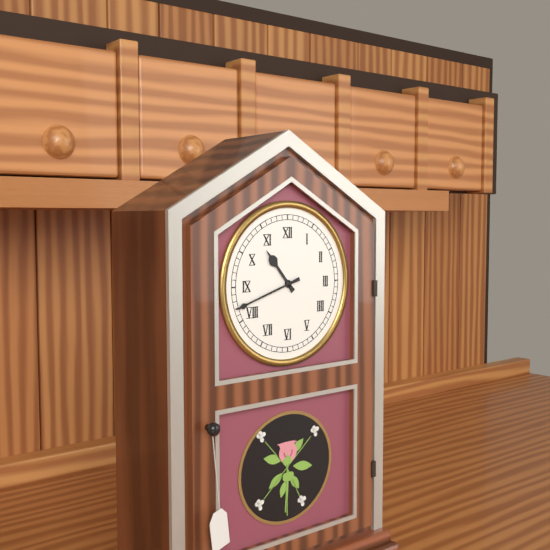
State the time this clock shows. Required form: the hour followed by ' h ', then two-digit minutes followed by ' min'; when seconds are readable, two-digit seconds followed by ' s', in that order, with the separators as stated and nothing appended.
10 h 42 min
